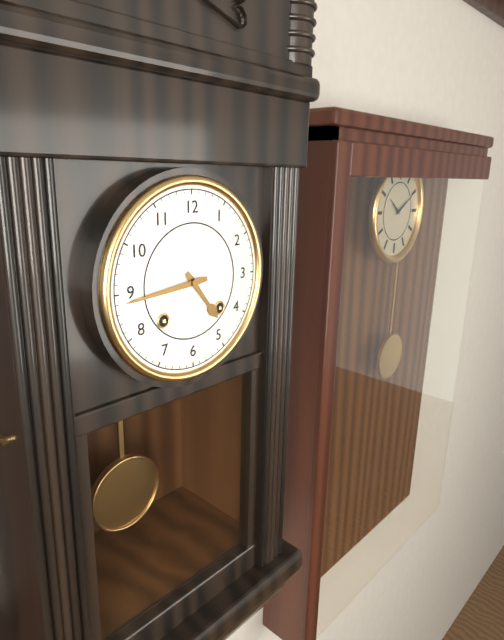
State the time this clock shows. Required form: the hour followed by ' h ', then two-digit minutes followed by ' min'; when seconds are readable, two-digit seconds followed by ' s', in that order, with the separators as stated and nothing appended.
4 h 44 min
